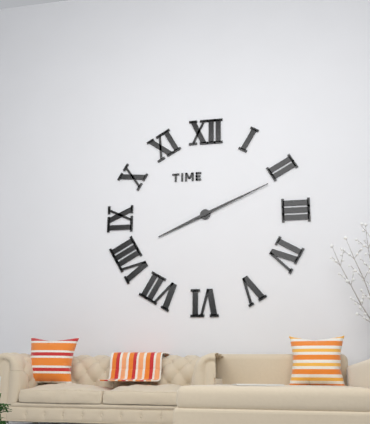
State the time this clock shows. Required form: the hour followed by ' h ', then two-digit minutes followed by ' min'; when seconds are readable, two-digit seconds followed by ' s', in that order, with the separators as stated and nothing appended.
8 h 11 min
